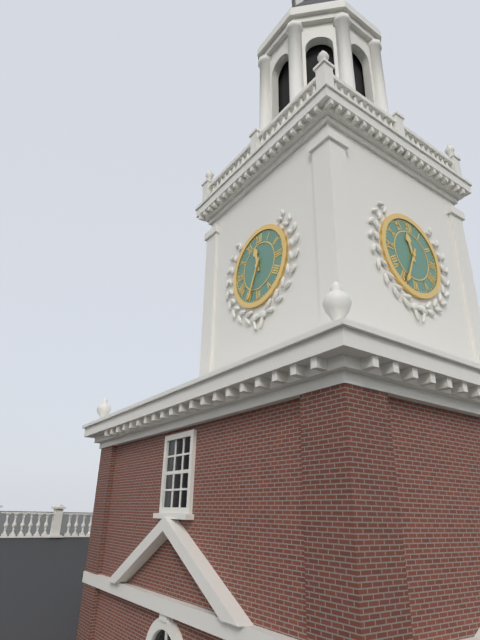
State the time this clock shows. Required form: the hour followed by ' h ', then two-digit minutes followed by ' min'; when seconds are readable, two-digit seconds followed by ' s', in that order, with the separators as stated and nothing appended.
11 h 34 min
